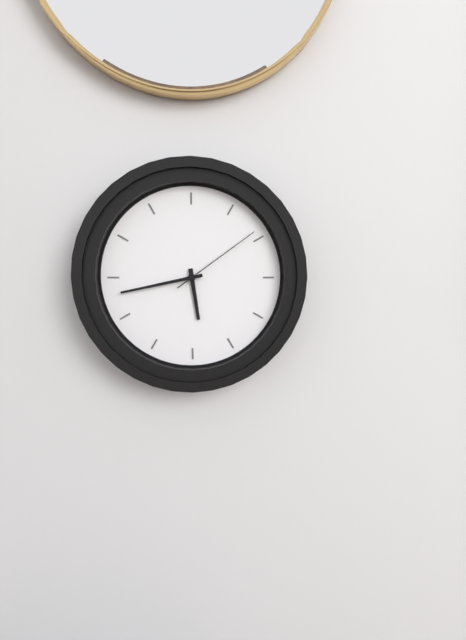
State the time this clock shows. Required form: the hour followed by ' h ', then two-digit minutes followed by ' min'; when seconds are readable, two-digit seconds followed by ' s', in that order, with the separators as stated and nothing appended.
5 h 43 min 09 s
